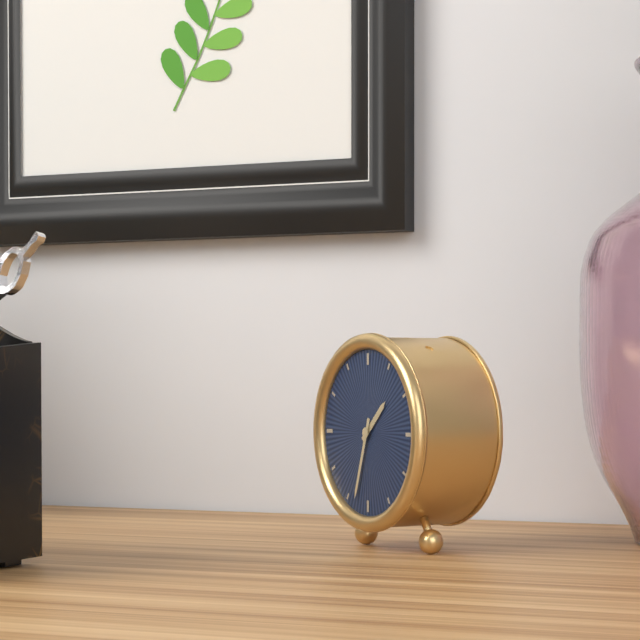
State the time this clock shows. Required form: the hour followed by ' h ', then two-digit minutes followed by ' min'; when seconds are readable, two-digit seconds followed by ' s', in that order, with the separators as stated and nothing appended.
1 h 33 min
